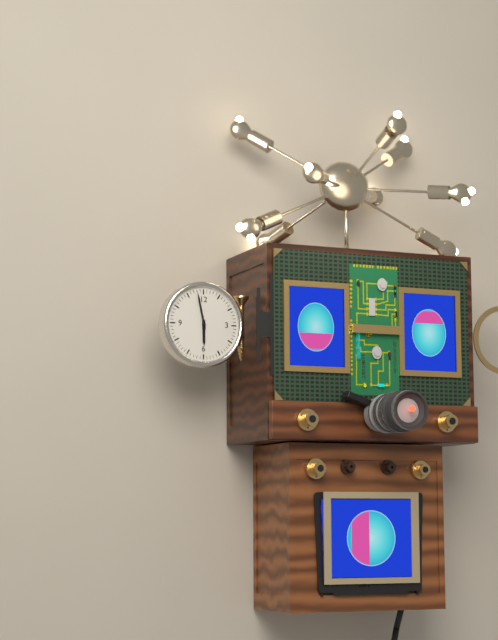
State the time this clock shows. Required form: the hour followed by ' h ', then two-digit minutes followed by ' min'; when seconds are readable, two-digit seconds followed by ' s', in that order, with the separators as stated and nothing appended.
5 h 58 min
